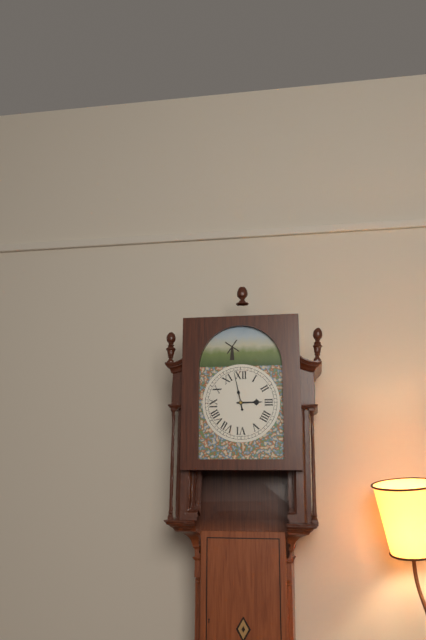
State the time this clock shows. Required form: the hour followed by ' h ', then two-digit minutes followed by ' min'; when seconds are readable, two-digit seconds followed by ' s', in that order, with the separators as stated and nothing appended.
2 h 58 min
